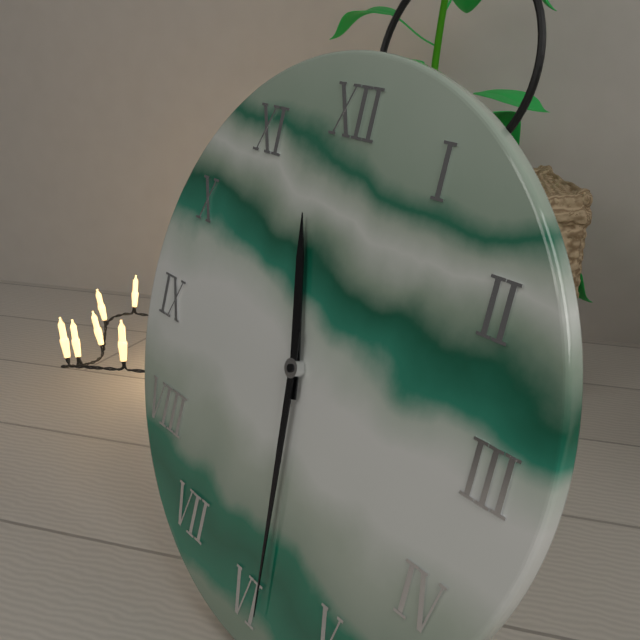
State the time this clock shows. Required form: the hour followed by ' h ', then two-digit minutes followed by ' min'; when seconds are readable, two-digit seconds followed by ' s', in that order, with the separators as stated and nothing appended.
11 h 29 min
